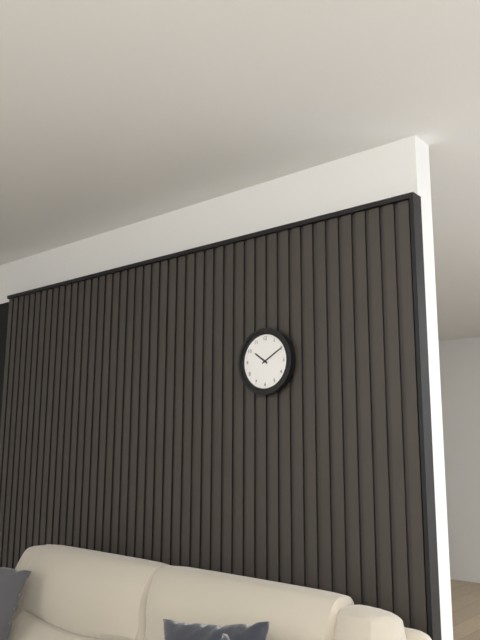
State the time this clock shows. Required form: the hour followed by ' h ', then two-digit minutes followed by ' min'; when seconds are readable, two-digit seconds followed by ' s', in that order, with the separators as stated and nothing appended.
10 h 10 min
